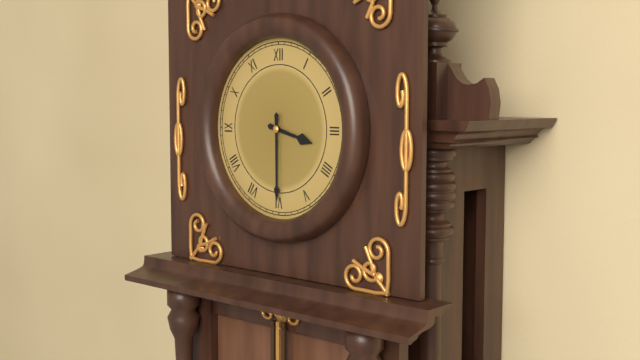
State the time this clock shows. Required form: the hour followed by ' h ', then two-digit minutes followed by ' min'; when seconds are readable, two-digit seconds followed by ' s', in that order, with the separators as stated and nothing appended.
3 h 30 min
